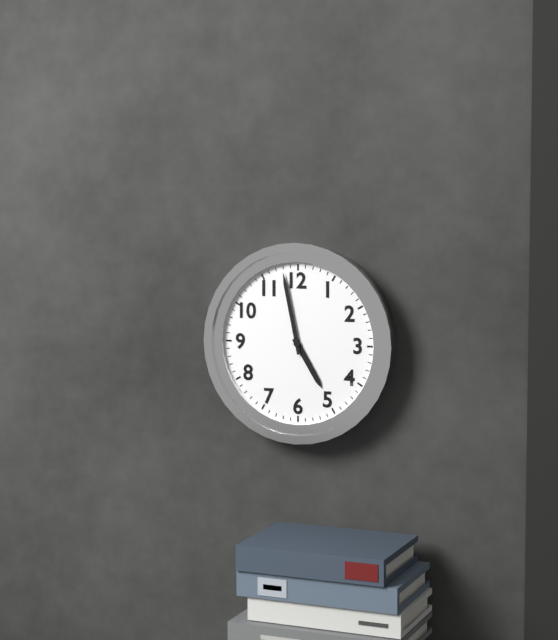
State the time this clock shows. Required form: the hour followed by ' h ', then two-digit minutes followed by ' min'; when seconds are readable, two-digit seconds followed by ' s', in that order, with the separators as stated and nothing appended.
4 h 58 min
